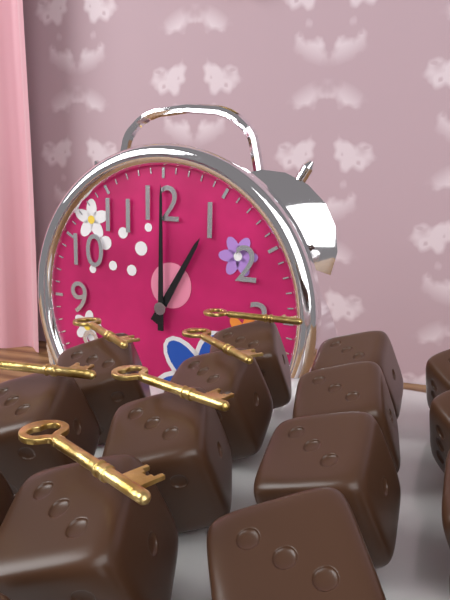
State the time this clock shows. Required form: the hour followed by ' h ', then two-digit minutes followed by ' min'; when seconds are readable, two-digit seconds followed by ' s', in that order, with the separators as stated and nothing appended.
1 h 00 min
